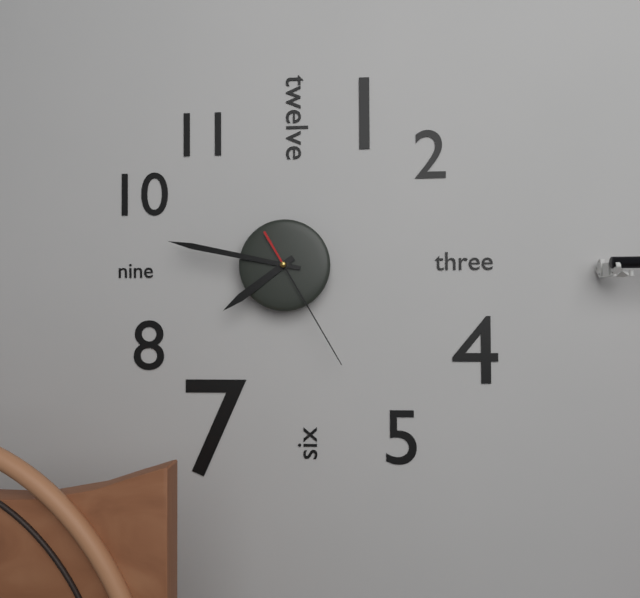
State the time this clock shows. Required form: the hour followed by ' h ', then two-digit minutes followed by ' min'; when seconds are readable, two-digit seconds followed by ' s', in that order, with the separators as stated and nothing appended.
7 h 47 min 25 s
